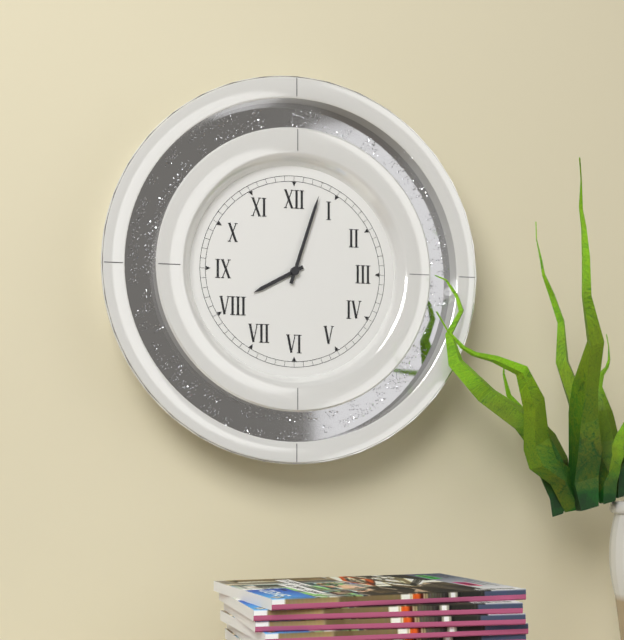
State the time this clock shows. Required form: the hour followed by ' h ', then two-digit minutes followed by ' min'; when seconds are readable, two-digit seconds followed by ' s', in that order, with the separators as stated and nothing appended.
8 h 03 min
